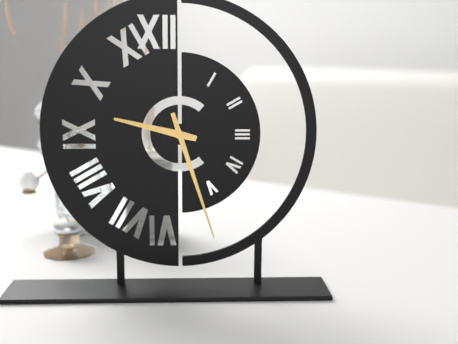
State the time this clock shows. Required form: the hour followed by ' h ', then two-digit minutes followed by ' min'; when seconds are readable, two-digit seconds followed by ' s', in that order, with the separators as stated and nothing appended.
9 h 27 min
